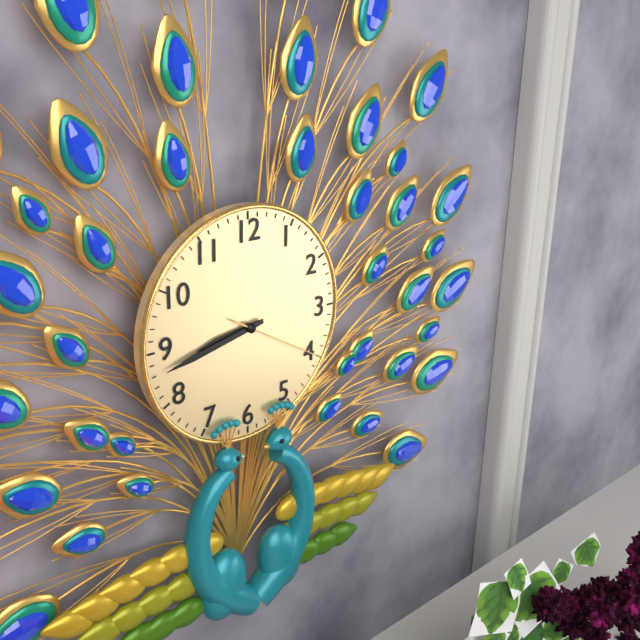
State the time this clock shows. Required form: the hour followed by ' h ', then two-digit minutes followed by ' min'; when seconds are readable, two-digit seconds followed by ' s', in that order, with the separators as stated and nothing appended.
8 h 43 min 20 s
